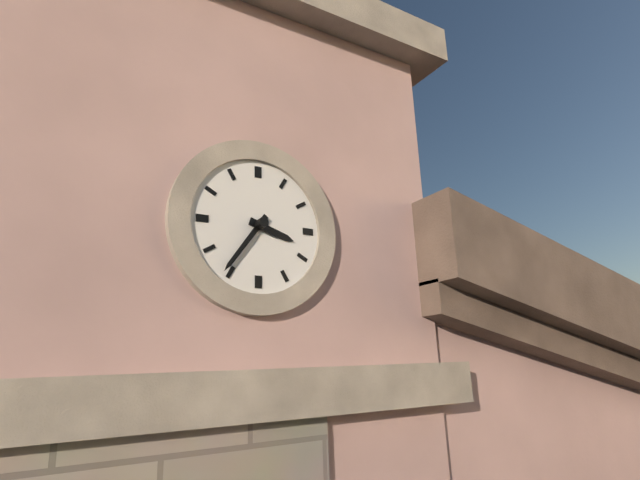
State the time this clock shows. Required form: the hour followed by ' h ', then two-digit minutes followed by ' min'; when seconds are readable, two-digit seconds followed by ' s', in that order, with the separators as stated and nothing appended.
3 h 36 min
